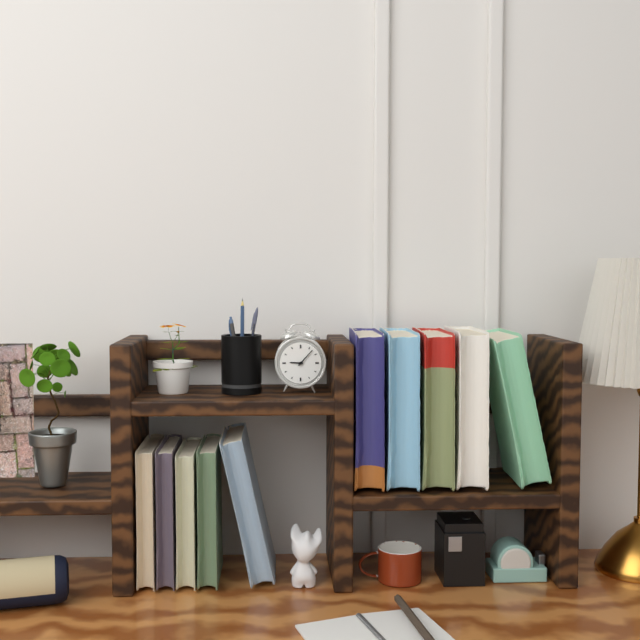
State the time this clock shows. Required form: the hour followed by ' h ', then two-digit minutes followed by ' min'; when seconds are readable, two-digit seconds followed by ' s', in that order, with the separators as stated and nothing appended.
9 h 07 min
